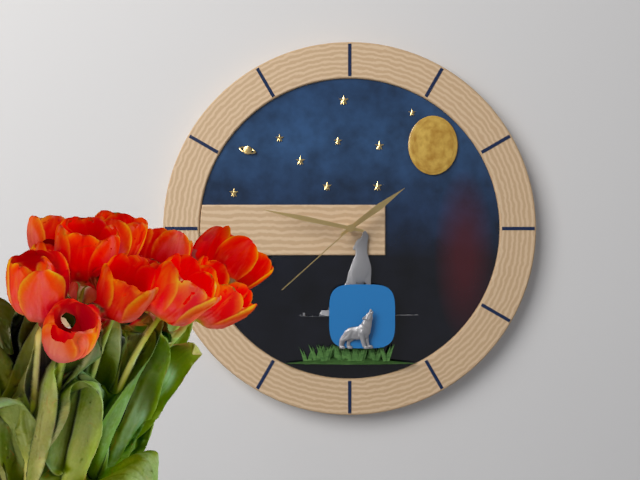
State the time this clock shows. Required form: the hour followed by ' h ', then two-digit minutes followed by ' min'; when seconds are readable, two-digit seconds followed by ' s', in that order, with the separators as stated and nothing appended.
1 h 47 min 38 s
